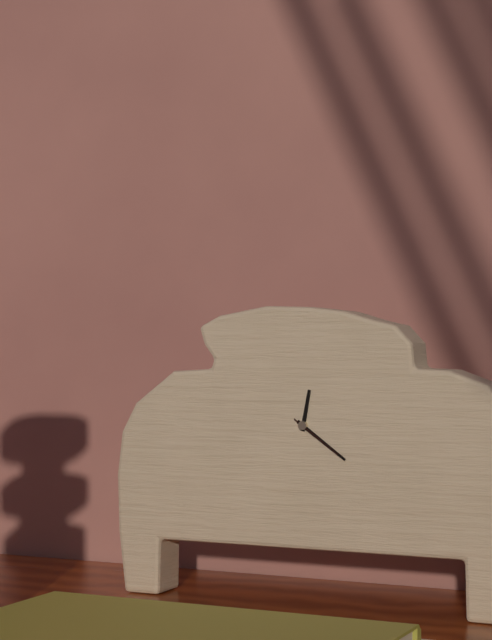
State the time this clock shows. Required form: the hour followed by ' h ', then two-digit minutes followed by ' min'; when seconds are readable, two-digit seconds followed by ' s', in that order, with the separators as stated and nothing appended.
12 h 21 min 21 s
